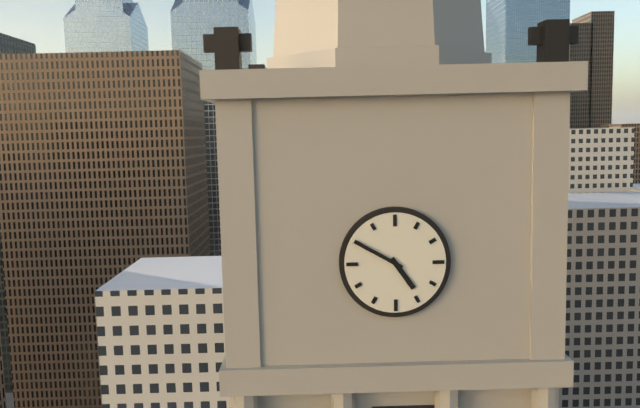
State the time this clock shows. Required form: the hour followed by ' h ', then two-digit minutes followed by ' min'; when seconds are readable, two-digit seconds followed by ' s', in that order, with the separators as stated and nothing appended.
4 h 50 min
